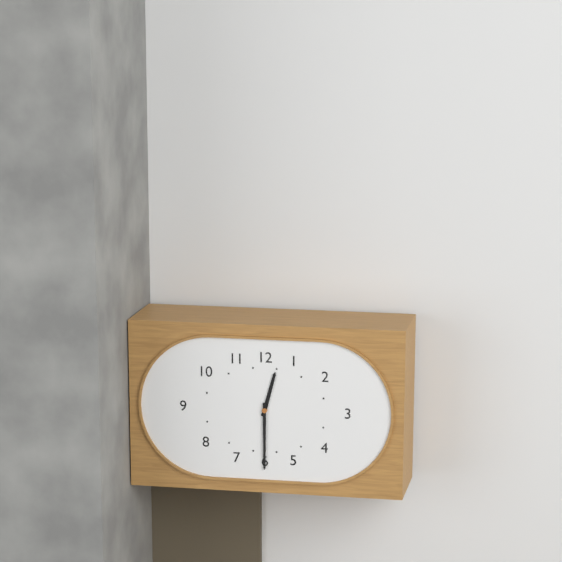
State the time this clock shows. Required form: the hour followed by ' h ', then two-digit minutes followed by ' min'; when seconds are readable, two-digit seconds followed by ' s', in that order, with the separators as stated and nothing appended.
12 h 30 min
